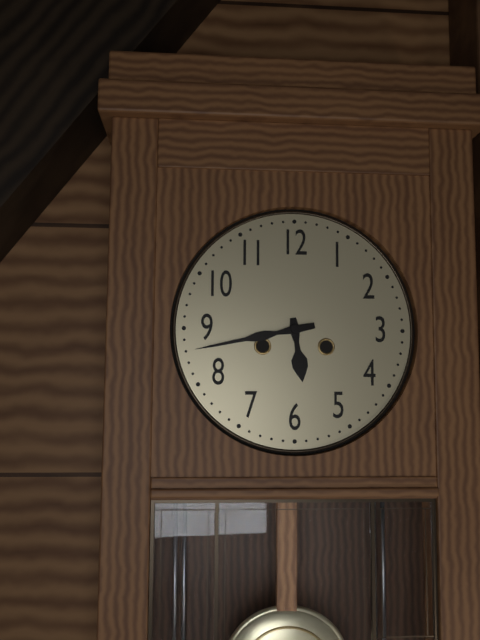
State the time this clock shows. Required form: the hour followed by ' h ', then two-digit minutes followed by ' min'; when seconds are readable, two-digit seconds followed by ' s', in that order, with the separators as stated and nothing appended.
5 h 43 min
